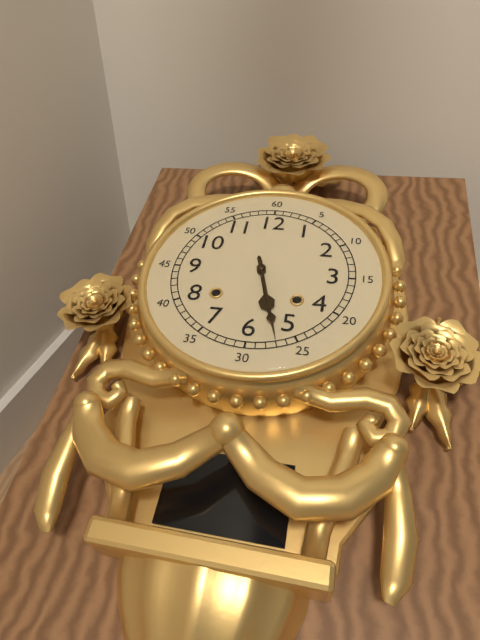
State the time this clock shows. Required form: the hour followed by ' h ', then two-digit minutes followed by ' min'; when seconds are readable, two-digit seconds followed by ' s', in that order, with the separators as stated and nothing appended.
5 h 27 min
